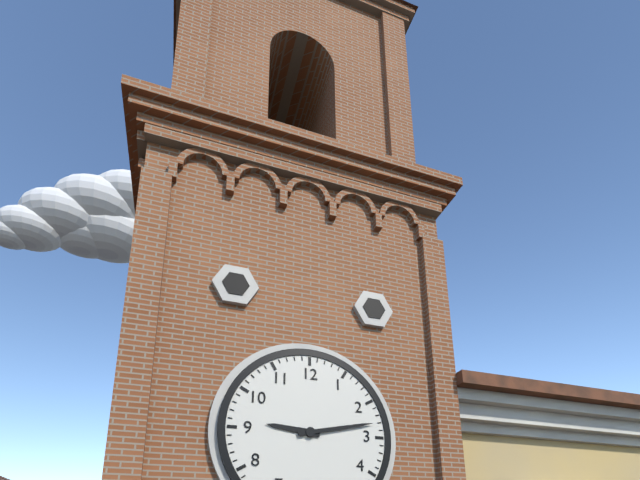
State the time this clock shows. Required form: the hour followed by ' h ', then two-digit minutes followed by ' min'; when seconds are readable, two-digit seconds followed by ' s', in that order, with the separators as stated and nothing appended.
9 h 13 min
